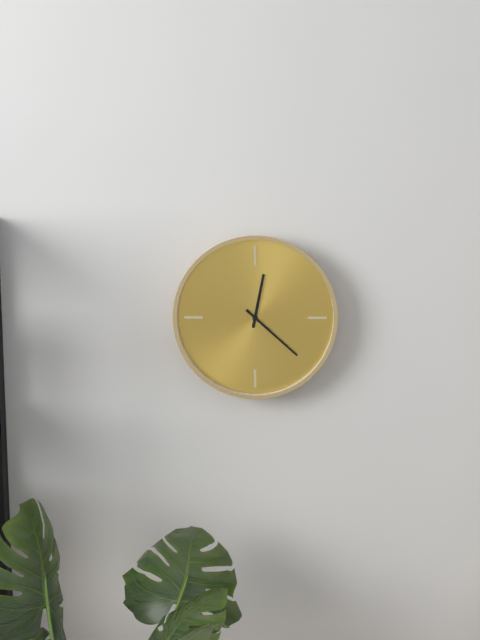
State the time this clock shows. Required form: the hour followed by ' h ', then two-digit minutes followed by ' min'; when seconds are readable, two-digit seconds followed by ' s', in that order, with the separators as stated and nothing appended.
12 h 22 min
